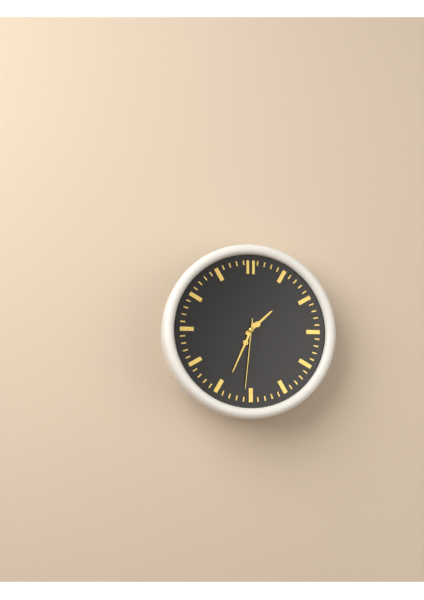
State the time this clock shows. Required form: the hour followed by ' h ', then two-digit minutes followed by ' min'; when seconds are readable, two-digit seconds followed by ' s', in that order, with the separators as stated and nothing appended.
1 h 34 min 31 s
